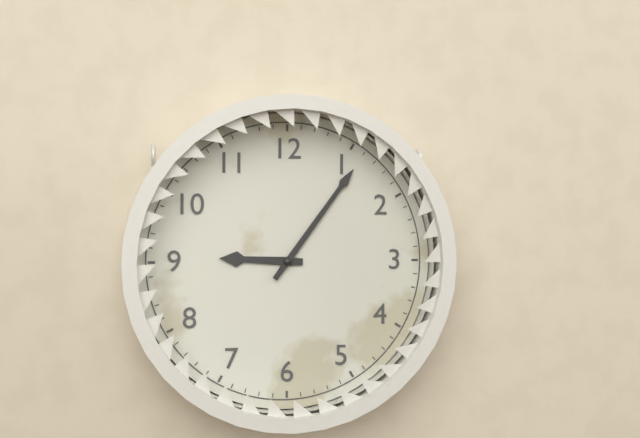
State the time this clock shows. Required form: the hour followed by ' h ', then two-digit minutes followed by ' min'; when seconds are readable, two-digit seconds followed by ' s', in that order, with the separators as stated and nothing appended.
9 h 06 min
